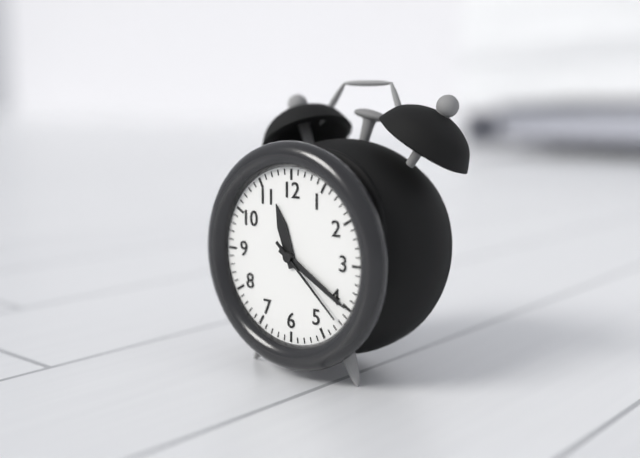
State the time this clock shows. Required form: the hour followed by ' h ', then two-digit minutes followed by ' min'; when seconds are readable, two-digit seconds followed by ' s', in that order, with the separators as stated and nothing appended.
11 h 20 min 22 s
